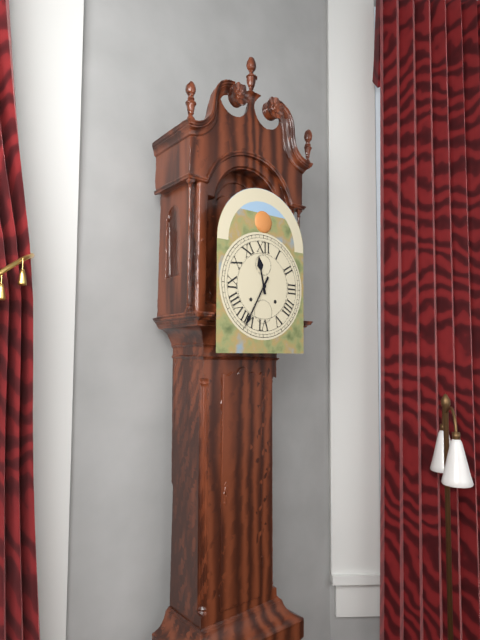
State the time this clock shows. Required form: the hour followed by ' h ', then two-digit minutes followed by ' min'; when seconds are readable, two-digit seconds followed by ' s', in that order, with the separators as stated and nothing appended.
11 h 35 min
